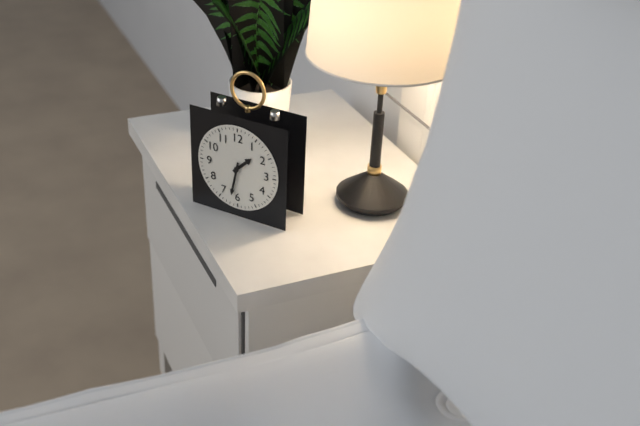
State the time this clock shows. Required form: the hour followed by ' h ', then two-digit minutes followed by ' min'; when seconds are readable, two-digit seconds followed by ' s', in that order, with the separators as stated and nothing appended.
1 h 32 min
